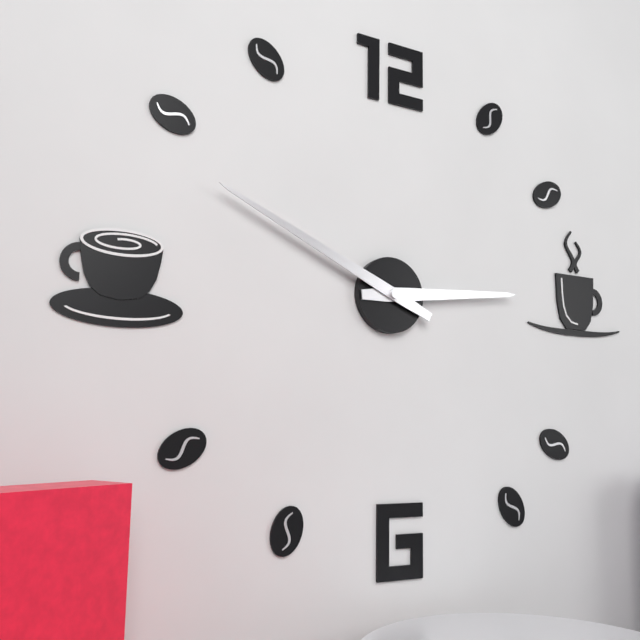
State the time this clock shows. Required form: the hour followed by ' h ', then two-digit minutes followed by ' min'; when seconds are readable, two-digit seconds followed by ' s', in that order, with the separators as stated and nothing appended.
2 h 49 min
